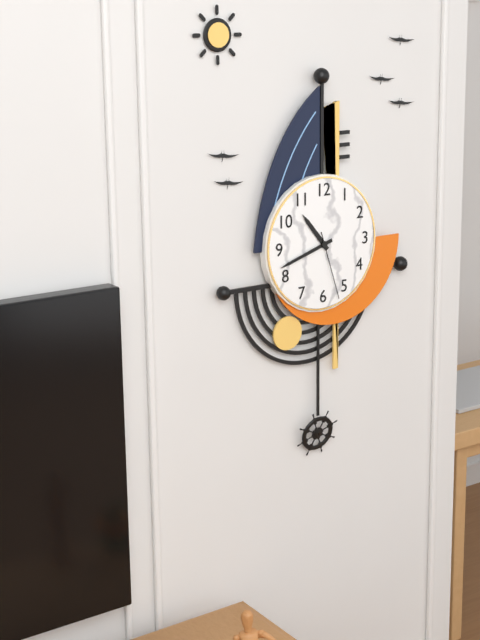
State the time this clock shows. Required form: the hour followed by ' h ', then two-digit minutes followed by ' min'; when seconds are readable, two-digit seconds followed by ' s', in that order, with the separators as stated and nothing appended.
10 h 42 min 27 s
